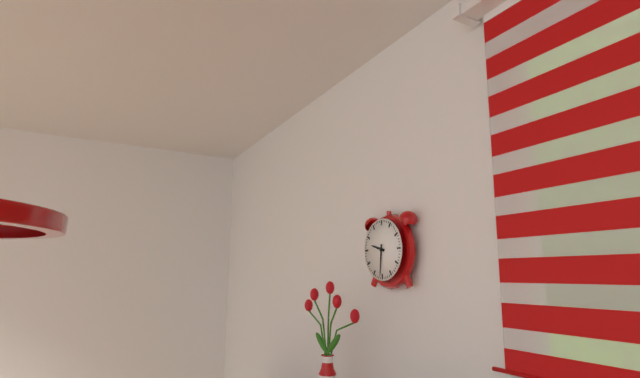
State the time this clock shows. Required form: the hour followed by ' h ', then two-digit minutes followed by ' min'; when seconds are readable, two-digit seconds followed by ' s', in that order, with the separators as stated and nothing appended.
9 h 31 min
